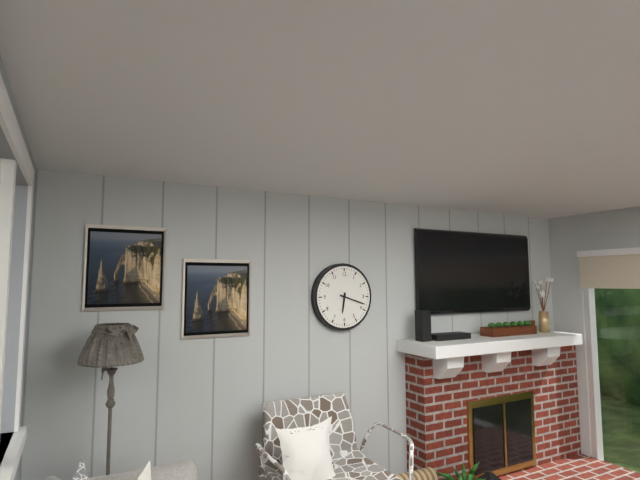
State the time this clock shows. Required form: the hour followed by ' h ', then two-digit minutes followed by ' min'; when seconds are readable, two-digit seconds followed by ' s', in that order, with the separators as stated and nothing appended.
6 h 18 min
